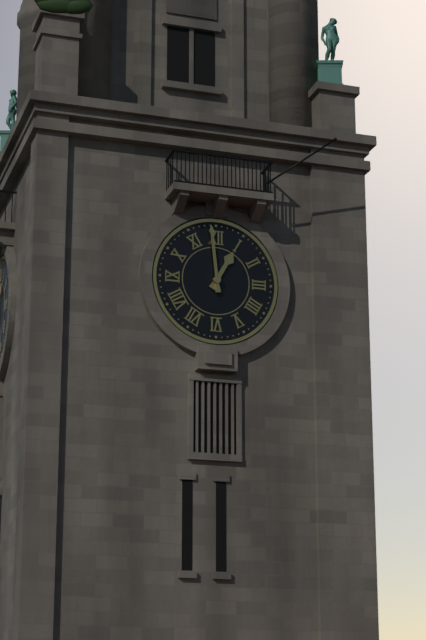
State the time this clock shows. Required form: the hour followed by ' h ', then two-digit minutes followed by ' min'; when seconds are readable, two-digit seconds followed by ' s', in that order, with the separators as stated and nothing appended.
12 h 59 min
